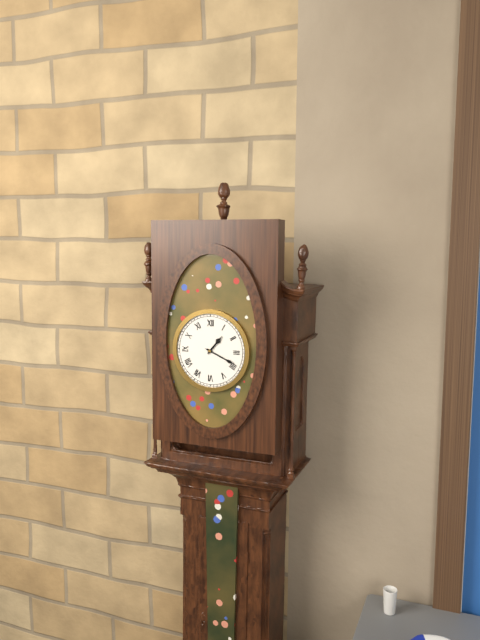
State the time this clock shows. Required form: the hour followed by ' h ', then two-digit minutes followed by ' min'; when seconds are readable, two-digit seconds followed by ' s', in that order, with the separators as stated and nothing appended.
1 h 19 min
